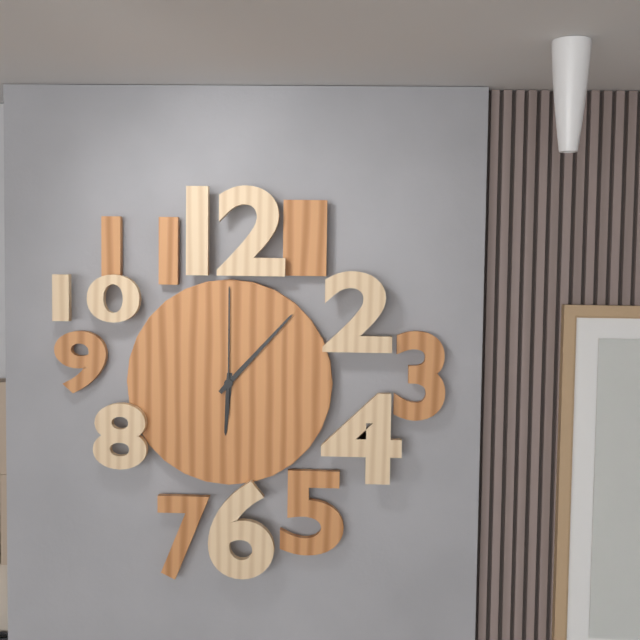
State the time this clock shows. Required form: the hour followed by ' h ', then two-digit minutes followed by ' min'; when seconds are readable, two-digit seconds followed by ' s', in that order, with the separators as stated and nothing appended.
6 h 07 min 00 s
